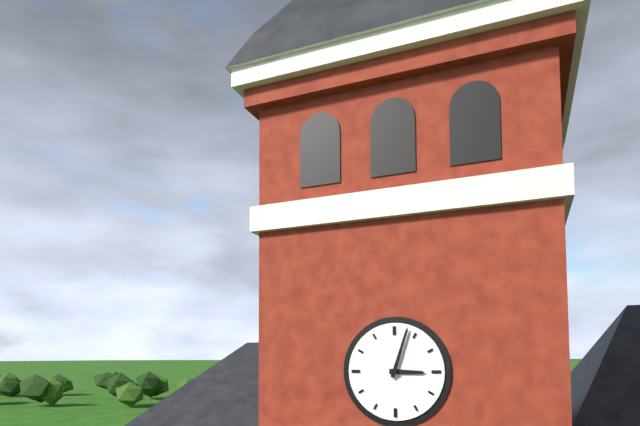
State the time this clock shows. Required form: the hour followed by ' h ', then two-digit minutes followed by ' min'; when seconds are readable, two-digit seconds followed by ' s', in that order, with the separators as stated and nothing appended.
3 h 03 min
